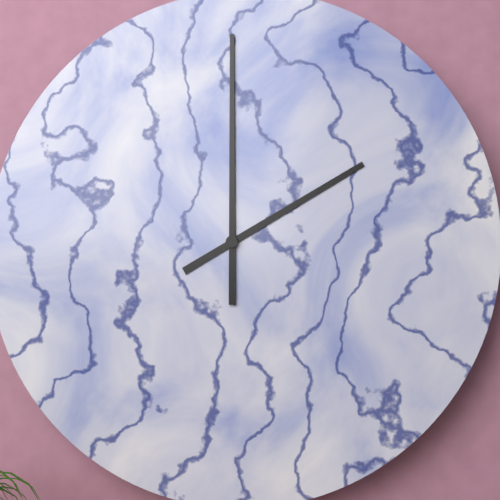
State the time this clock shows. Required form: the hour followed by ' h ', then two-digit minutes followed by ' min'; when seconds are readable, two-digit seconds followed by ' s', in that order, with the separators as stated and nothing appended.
2 h 00 min
